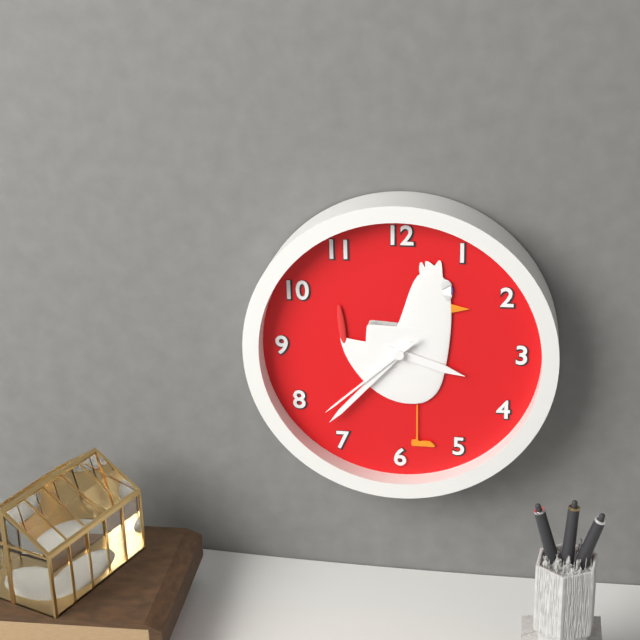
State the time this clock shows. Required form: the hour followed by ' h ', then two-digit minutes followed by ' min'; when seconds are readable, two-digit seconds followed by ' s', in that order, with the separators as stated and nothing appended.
3 h 37 min 38 s
